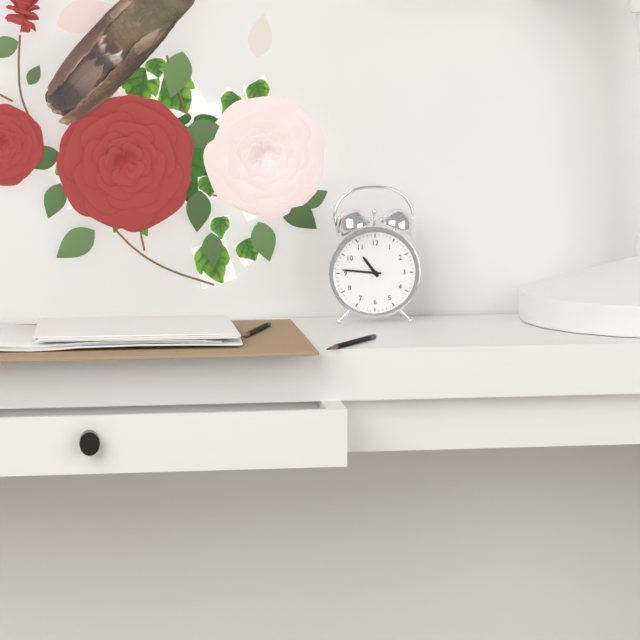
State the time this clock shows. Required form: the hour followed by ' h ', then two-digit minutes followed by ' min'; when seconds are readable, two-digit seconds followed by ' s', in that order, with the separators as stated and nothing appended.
10 h 46 min
